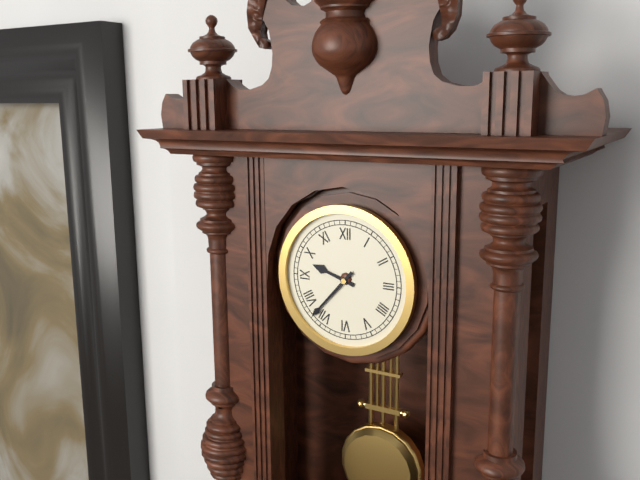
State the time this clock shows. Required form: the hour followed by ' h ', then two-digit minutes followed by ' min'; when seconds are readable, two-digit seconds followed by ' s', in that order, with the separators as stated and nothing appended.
9 h 37 min
